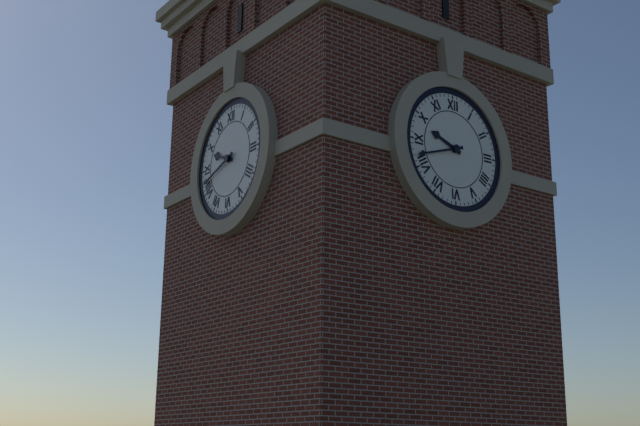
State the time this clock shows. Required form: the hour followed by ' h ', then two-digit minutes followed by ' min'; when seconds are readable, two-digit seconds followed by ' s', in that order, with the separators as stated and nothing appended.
9 h 42 min
